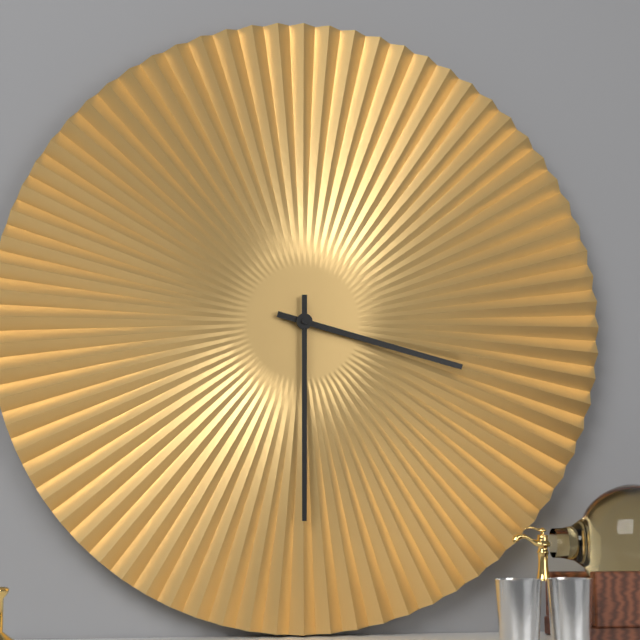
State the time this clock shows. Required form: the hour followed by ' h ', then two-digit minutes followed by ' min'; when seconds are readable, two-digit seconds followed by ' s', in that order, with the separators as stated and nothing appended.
3 h 30 min
